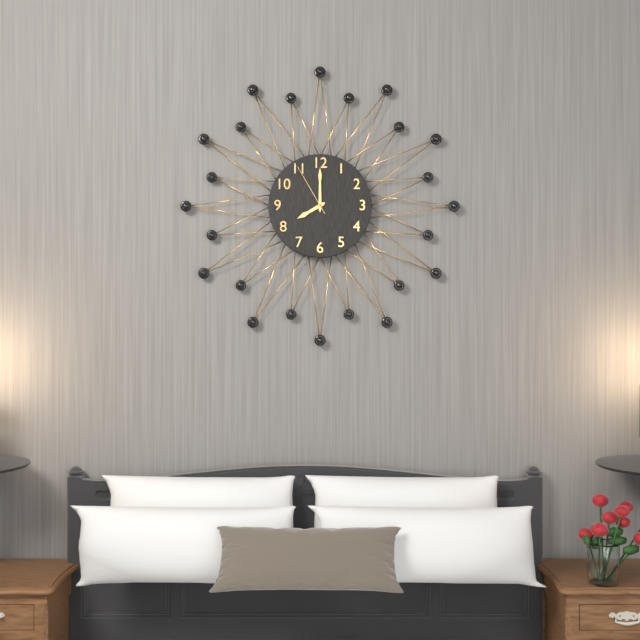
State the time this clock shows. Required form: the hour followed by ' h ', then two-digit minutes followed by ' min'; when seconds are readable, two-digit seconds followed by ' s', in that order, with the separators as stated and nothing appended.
8 h 00 min 55 s
